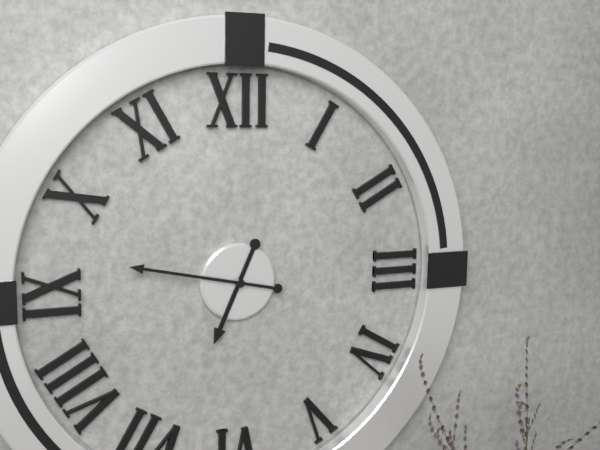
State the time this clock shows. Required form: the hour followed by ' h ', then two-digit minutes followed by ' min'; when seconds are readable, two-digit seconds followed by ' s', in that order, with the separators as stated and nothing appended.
6 h 47 min
